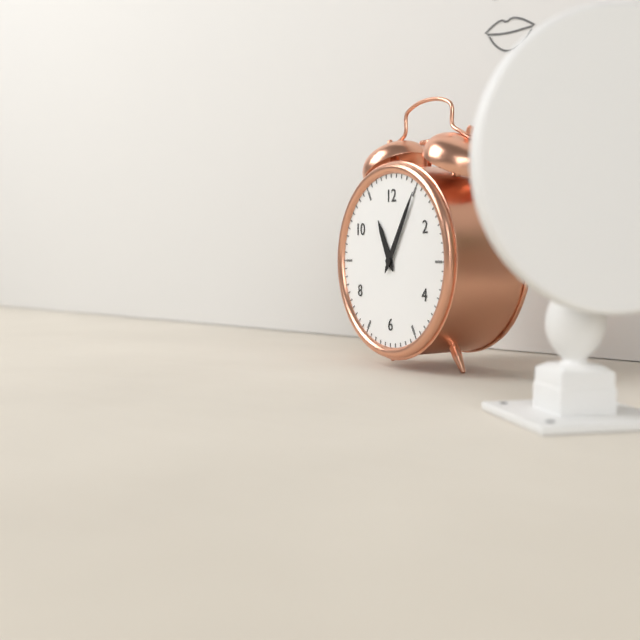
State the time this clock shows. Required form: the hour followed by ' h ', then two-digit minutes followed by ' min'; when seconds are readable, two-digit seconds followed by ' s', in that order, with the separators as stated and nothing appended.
11 h 05 min
